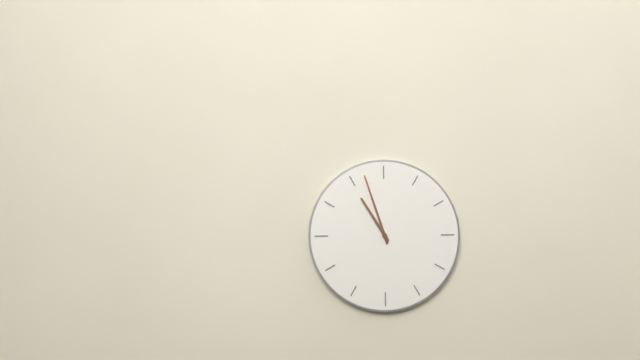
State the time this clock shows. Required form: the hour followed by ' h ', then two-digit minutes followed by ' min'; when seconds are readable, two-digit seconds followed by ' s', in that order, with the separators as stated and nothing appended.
10 h 57 min
